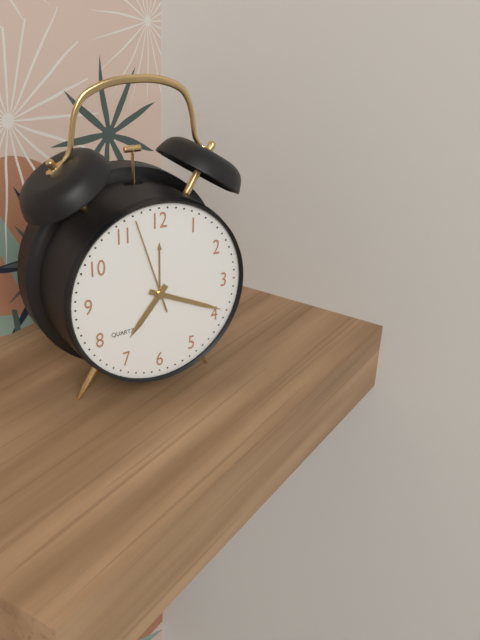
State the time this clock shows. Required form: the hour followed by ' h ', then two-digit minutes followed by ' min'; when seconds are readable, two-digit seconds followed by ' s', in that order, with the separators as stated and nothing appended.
7 h 19 min 57 s
